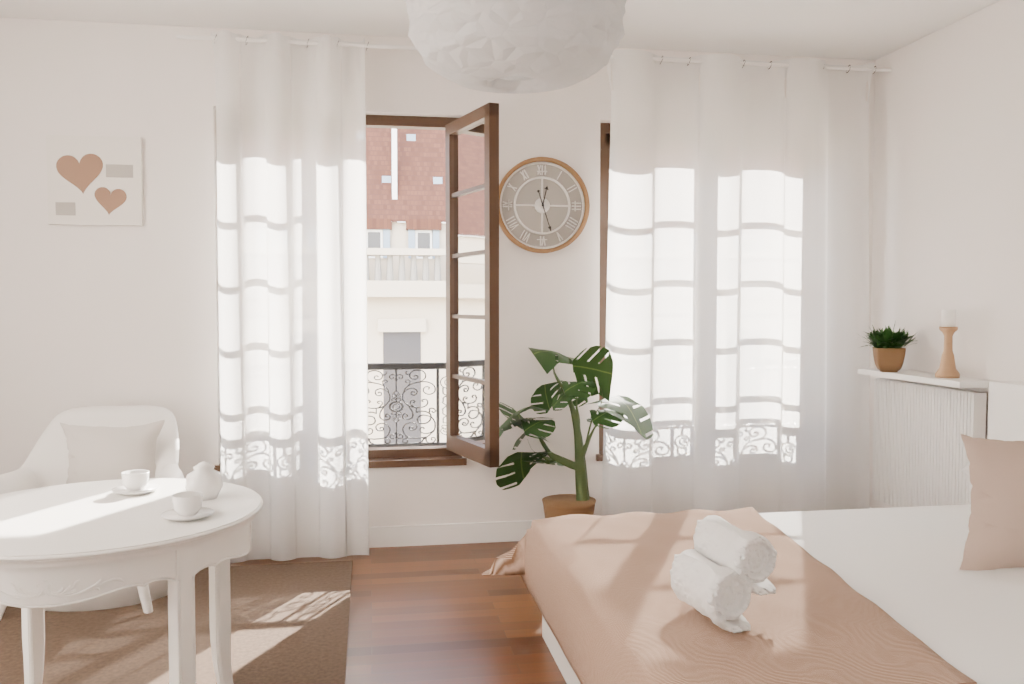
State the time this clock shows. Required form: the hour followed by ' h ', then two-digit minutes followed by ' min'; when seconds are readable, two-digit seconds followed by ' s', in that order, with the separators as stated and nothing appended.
12 h 27 min
